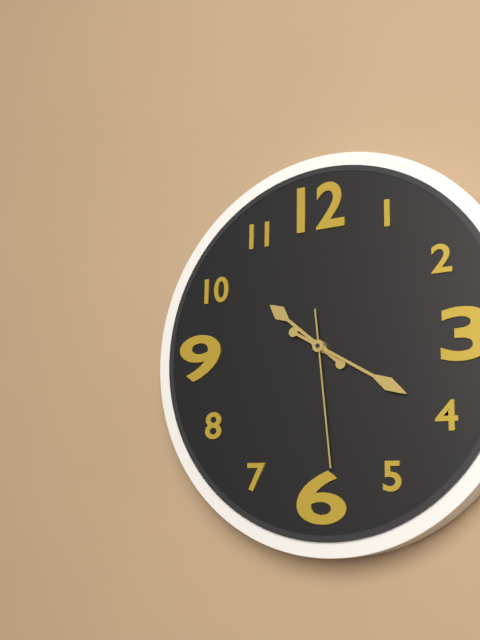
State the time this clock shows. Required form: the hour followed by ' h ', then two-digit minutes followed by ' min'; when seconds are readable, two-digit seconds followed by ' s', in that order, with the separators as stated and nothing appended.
10 h 20 min 29 s
